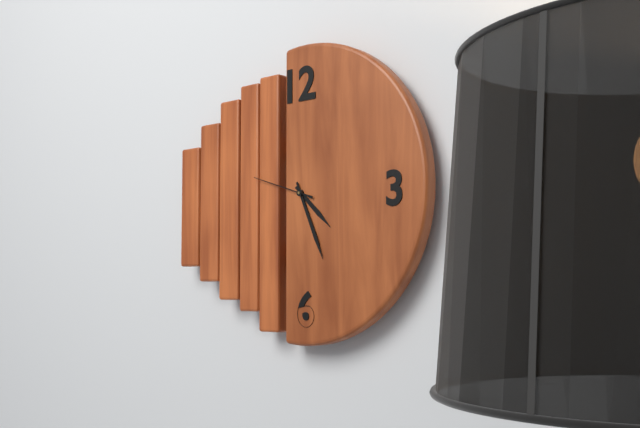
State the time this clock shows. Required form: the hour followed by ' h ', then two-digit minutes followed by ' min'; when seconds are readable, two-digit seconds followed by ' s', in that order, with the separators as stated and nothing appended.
4 h 26 min 48 s
